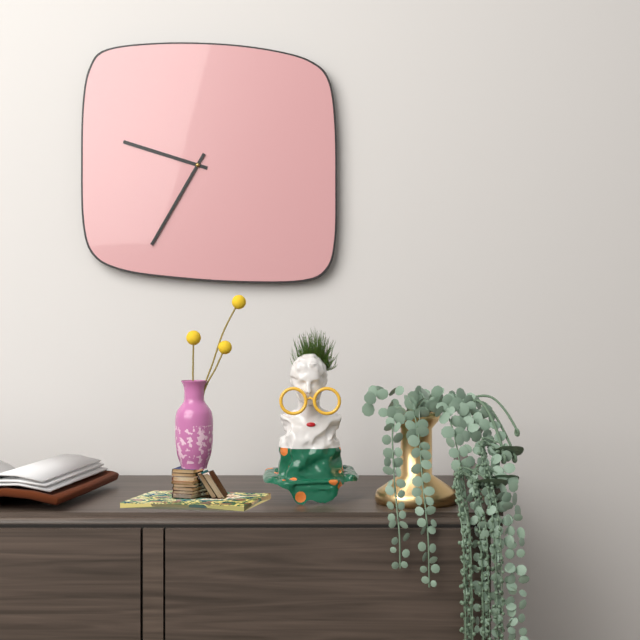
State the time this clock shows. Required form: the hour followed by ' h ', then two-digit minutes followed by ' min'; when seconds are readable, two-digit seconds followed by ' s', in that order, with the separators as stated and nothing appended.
9 h 35 min
